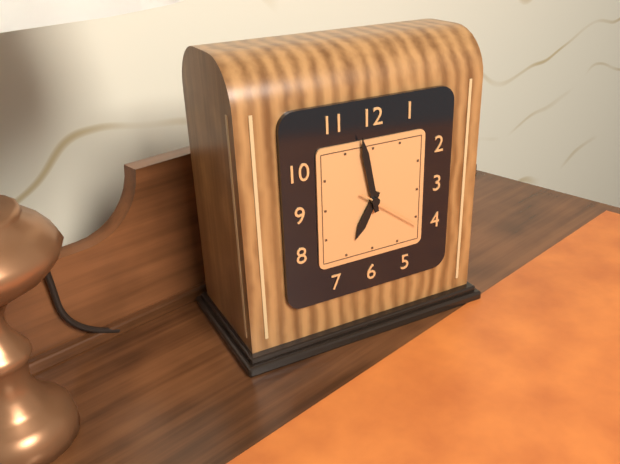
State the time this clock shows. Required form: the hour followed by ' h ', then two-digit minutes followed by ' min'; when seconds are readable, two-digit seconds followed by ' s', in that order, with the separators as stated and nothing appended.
6 h 58 min 21 s
